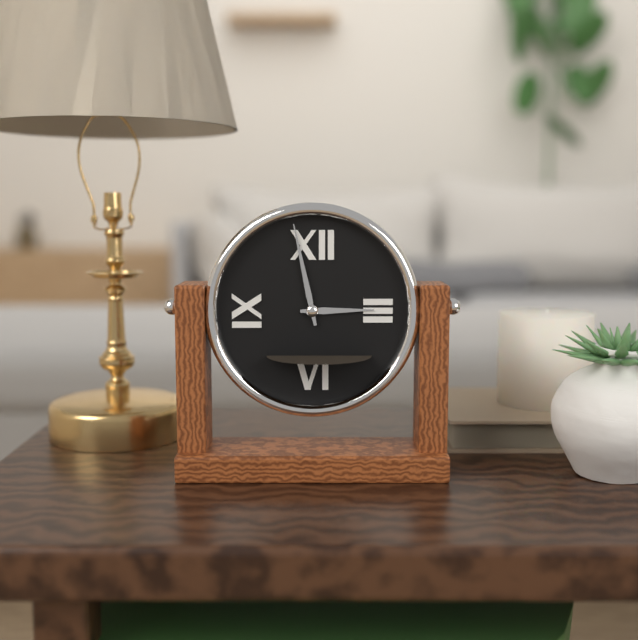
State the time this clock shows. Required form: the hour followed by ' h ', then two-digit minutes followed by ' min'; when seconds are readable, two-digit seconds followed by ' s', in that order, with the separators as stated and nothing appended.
2 h 58 min
